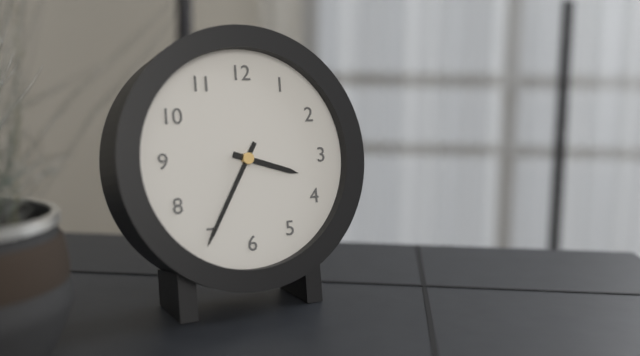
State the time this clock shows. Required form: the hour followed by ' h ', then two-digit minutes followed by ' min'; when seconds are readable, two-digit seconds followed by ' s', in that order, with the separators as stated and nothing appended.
3 h 35 min
